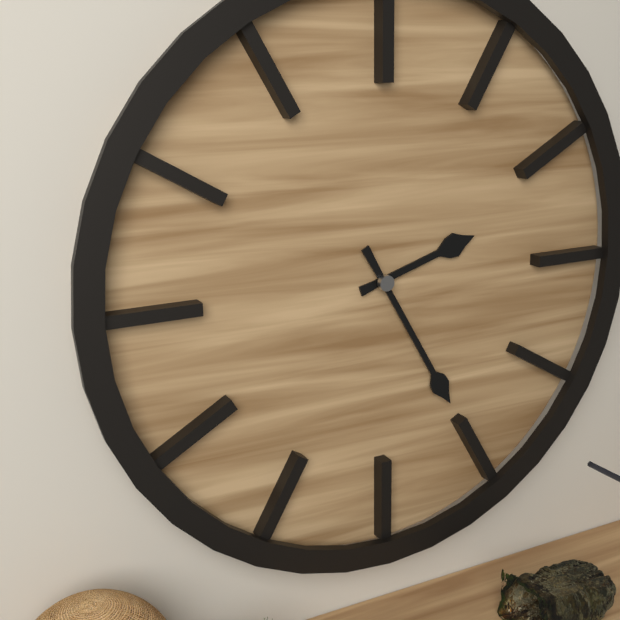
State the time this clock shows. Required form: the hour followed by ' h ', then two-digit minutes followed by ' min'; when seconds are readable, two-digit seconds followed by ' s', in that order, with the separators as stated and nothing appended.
2 h 25 min
